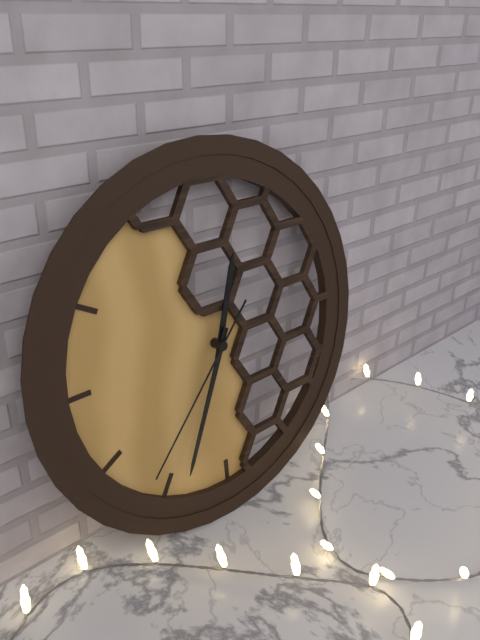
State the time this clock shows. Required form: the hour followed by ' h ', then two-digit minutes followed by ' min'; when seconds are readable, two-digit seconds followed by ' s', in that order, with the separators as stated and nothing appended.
12 h 34 min 37 s
